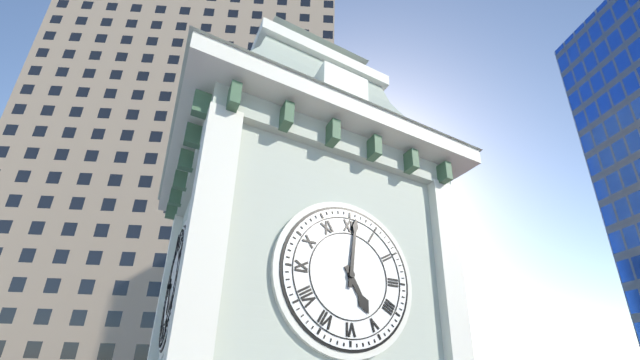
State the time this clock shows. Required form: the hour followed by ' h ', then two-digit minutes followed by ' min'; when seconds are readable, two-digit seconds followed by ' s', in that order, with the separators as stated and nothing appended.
5 h 01 min
